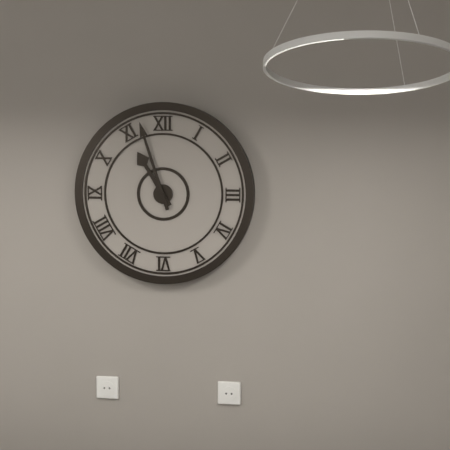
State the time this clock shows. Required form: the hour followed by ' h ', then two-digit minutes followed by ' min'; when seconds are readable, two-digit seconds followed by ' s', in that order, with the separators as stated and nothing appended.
10 h 57 min
